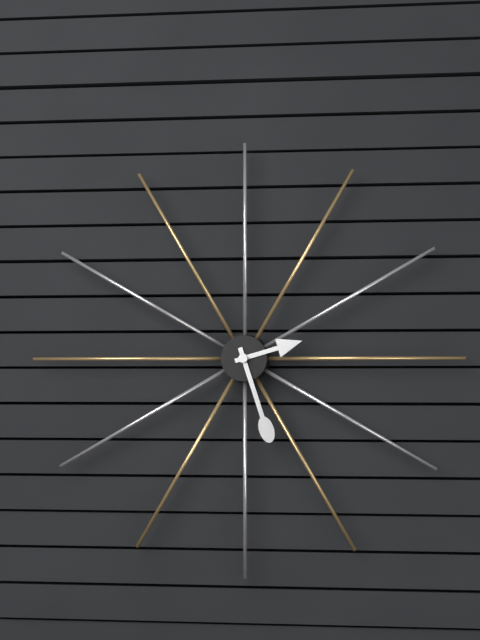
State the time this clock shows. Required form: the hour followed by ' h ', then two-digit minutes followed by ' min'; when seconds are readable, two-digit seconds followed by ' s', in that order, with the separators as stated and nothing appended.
2 h 27 min
